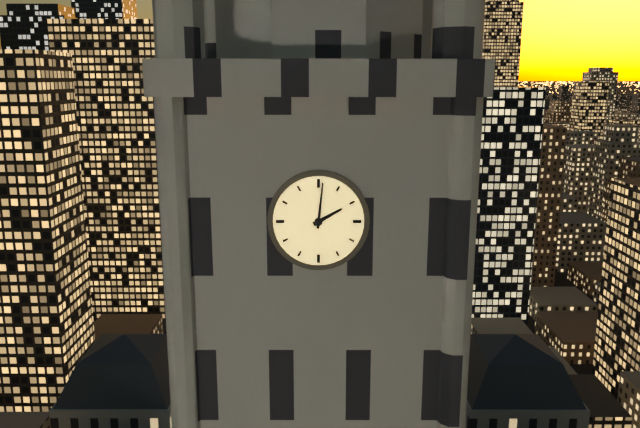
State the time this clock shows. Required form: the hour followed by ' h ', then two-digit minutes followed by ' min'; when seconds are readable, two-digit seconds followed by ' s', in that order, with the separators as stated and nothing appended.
2 h 01 min
